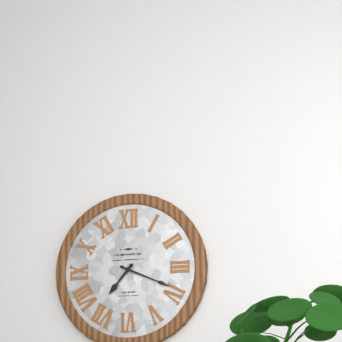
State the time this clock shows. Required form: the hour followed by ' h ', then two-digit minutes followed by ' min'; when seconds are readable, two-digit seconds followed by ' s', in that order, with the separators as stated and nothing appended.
7 h 19 min
